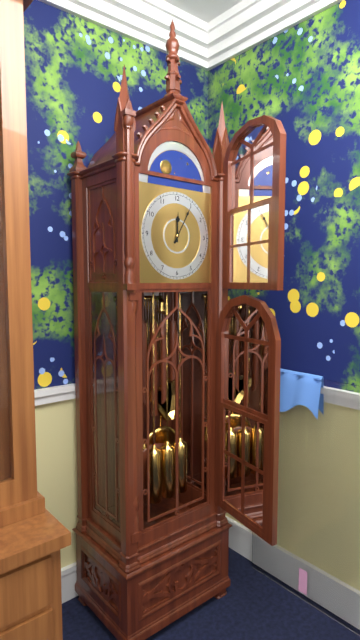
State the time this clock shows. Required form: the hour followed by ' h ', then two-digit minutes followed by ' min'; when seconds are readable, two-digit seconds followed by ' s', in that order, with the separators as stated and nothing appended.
12 h 05 min
